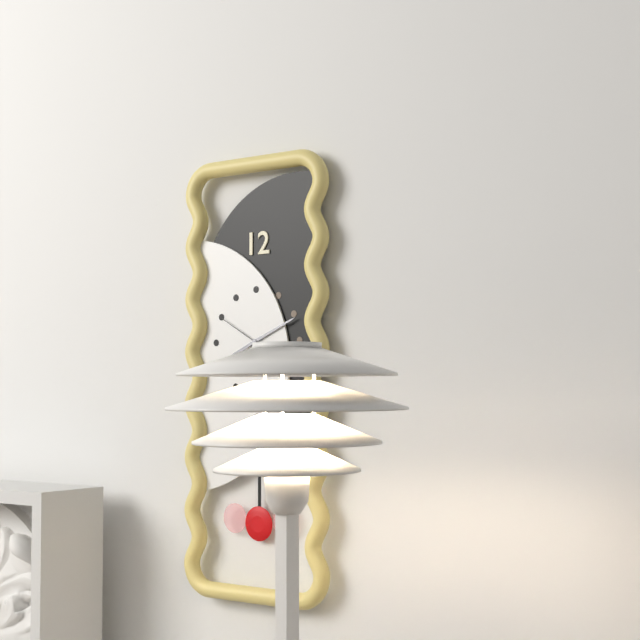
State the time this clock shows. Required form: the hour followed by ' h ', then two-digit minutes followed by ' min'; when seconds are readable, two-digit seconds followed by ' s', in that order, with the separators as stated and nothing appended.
8 h 11 min
